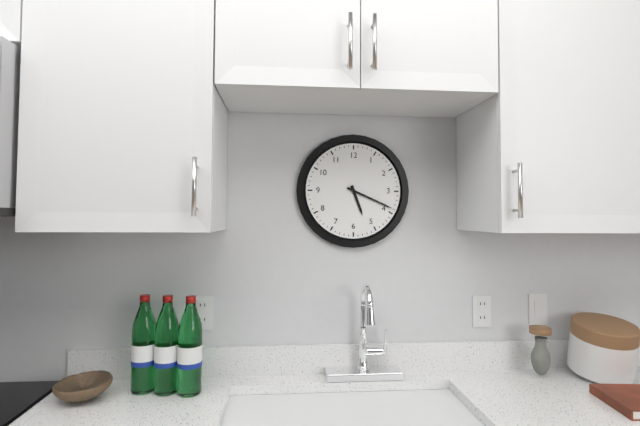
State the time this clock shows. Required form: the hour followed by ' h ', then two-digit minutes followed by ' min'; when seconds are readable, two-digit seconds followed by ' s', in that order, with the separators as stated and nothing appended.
5 h 19 min
